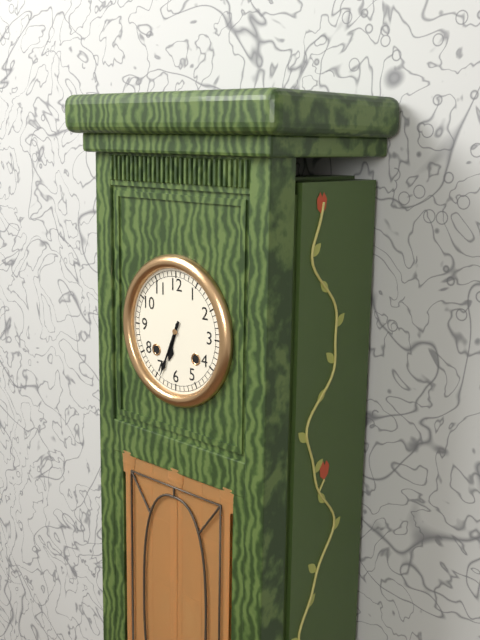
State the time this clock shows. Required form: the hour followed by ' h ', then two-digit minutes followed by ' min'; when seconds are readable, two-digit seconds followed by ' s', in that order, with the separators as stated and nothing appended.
6 h 34 min
